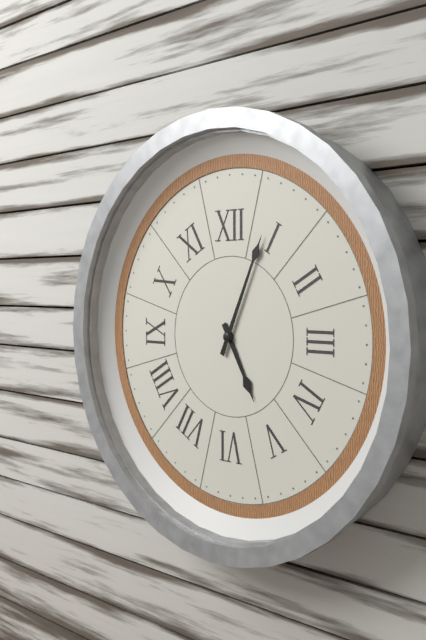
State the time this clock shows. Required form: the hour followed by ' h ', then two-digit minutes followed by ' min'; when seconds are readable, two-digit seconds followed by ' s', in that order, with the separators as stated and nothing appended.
5 h 04 min
